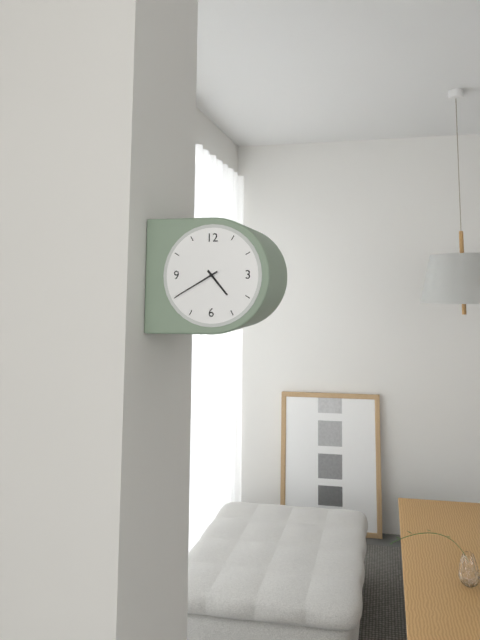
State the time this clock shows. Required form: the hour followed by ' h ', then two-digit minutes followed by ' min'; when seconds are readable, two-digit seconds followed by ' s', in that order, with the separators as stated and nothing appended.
4 h 40 min
